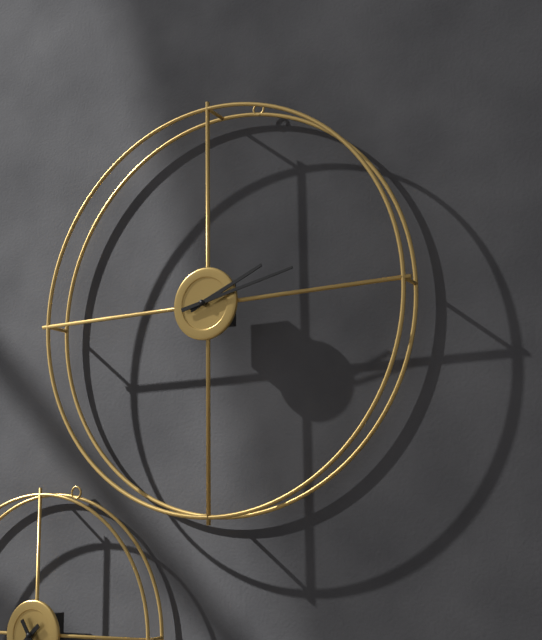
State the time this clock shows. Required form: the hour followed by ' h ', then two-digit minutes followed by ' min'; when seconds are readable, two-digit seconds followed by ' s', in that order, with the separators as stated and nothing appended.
2 h 13 min
